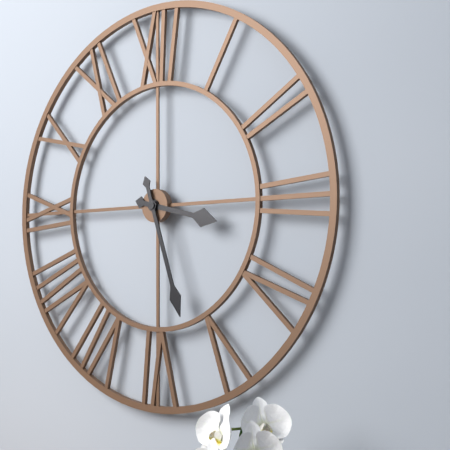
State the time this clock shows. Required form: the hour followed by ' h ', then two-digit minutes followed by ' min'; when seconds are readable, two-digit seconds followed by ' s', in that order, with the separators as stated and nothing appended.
3 h 27 min
